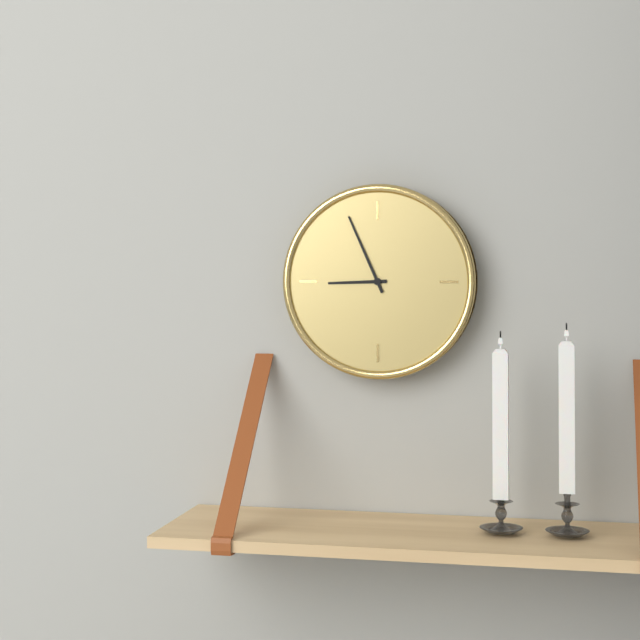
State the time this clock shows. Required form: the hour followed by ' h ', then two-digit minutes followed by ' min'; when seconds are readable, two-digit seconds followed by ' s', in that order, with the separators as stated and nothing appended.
8 h 56 min
